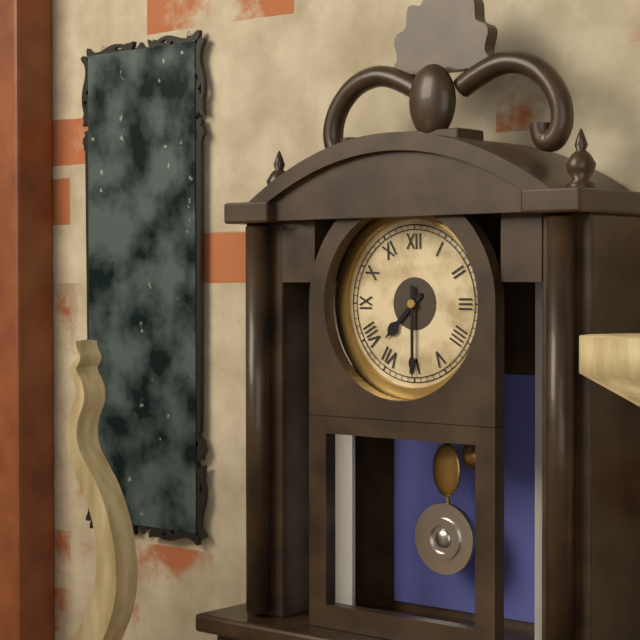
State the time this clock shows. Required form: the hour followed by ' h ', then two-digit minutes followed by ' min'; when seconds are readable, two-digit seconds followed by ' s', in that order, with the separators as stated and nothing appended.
7 h 30 min
